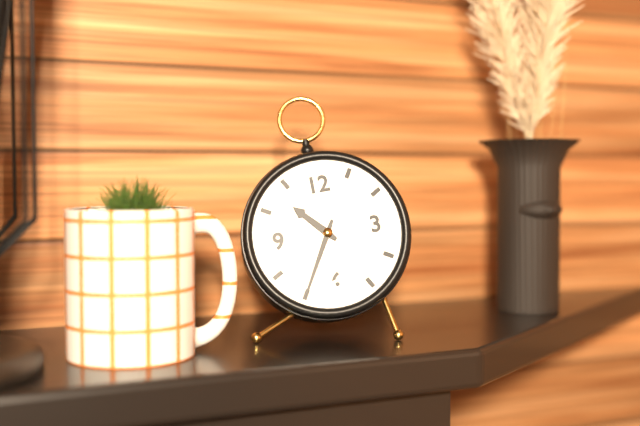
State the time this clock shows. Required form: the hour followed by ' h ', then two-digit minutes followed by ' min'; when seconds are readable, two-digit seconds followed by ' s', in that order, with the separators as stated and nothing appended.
10 h 35 min
